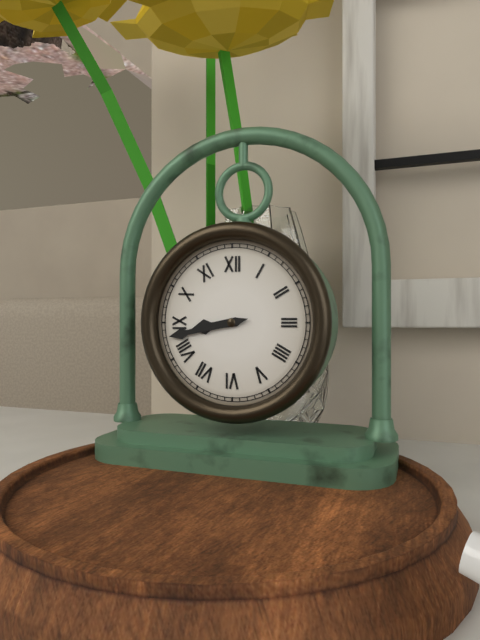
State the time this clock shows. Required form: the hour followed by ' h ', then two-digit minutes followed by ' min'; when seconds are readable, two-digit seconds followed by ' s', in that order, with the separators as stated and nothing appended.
8 h 43 min
